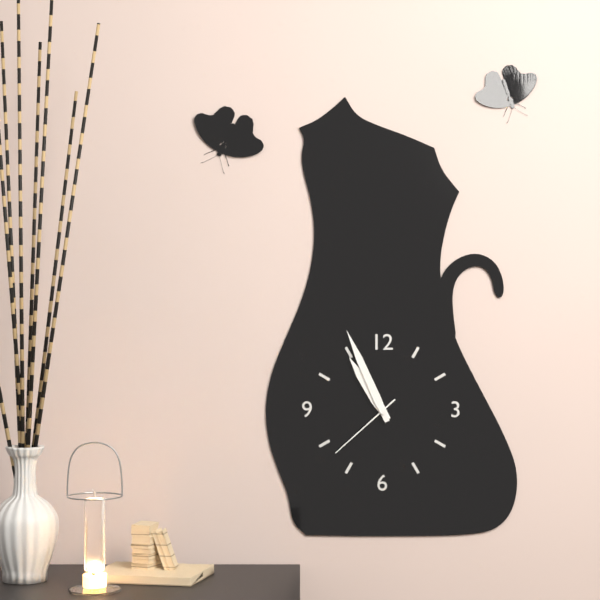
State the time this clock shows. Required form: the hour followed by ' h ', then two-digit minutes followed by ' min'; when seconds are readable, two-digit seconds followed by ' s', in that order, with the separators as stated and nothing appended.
10 h 56 min 38 s
